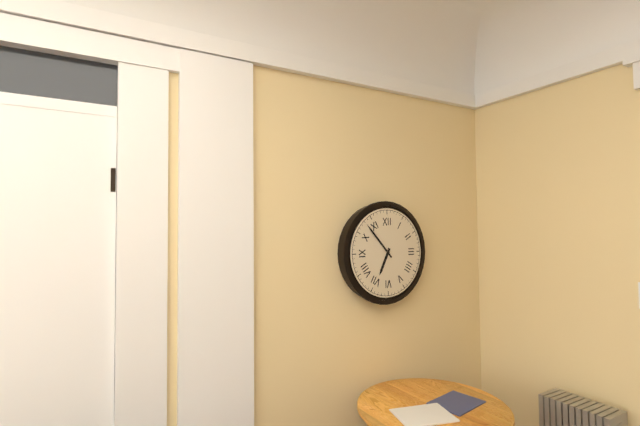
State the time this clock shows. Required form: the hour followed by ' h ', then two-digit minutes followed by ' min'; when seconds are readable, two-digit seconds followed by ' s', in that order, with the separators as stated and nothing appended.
6 h 53 min
